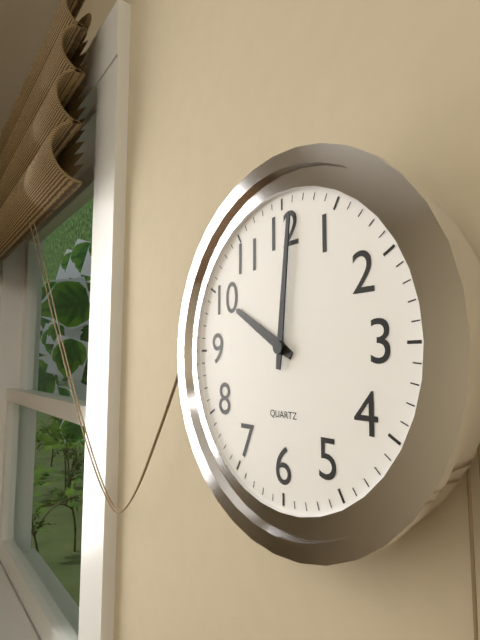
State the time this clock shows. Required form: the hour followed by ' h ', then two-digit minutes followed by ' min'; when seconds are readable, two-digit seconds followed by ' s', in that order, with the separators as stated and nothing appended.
10 h 01 min
